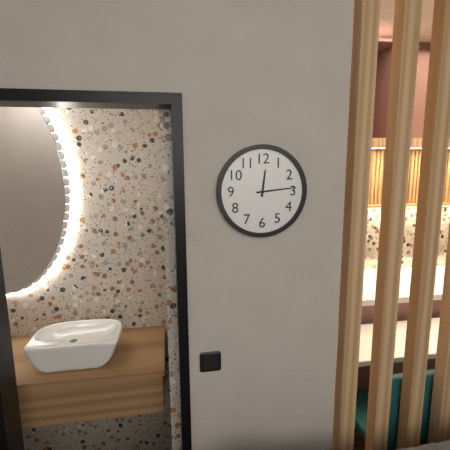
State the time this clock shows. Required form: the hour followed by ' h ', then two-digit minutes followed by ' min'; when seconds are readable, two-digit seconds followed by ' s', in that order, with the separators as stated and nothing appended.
12 h 14 min
